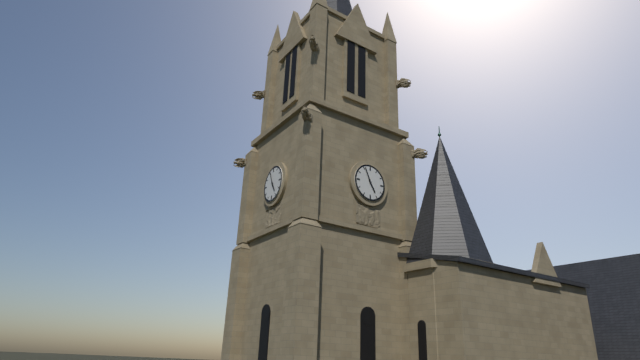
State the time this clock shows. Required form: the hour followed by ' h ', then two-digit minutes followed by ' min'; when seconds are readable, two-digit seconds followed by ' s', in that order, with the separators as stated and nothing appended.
4 h 56 min
